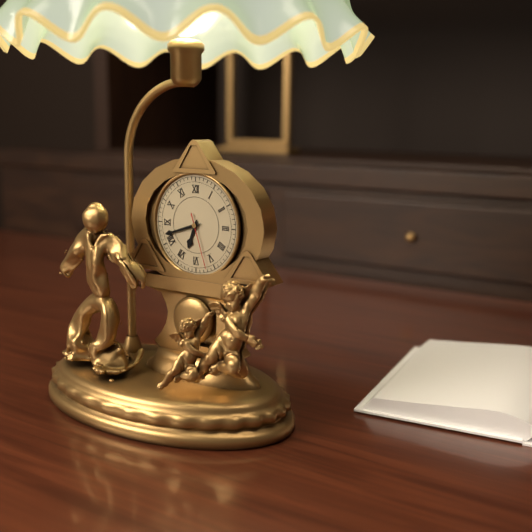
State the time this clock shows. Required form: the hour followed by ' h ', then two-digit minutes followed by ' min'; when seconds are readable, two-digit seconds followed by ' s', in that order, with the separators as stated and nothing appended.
6 h 42 min 27 s
